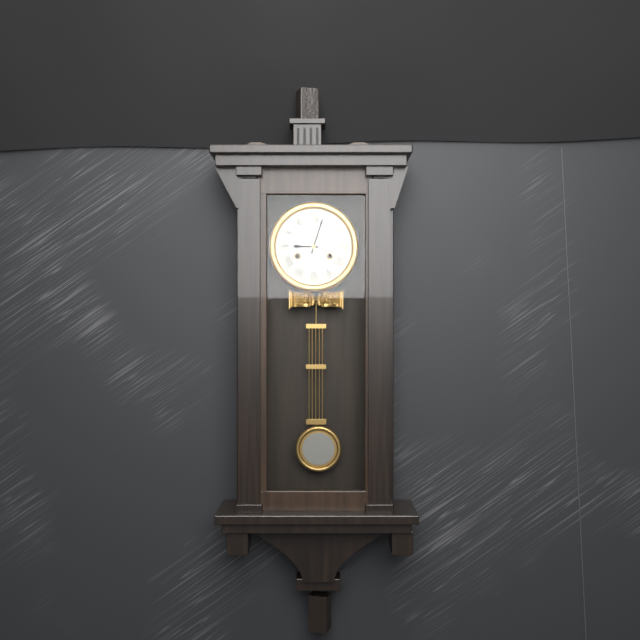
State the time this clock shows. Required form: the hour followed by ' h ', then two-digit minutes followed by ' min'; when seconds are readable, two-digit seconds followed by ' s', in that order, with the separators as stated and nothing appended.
9 h 03 min
